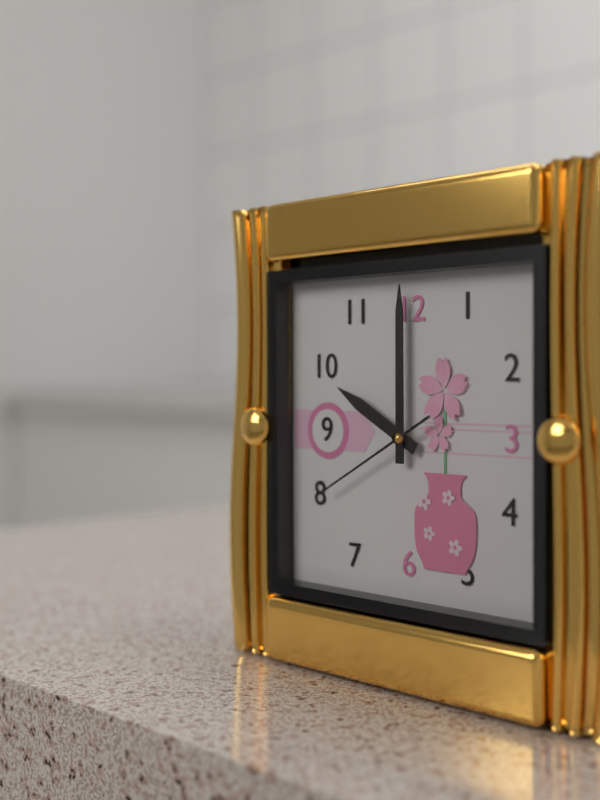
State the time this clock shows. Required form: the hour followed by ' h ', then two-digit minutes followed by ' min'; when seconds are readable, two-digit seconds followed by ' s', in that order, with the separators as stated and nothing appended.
10 h 00 min 40 s
